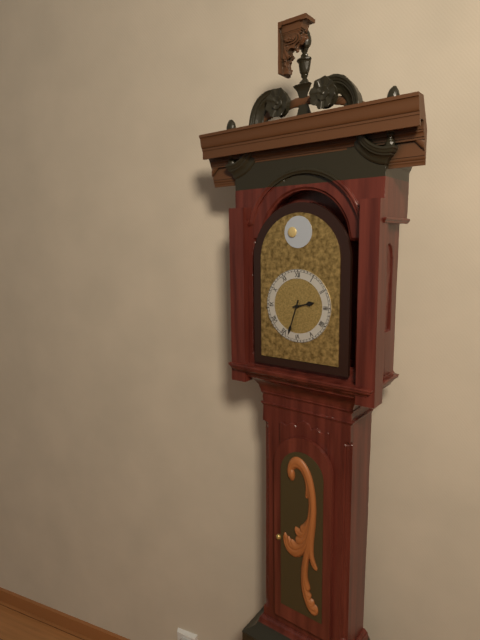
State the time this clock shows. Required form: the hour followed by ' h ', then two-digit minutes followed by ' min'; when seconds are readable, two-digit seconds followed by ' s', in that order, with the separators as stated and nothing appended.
2 h 33 min
